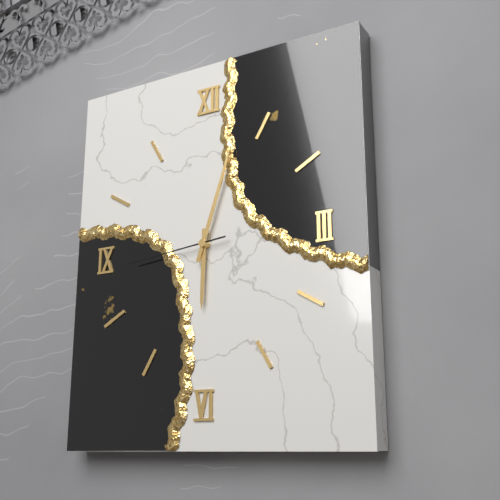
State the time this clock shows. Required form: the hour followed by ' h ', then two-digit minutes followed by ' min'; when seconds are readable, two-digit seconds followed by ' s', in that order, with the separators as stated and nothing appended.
6 h 03 min 44 s
